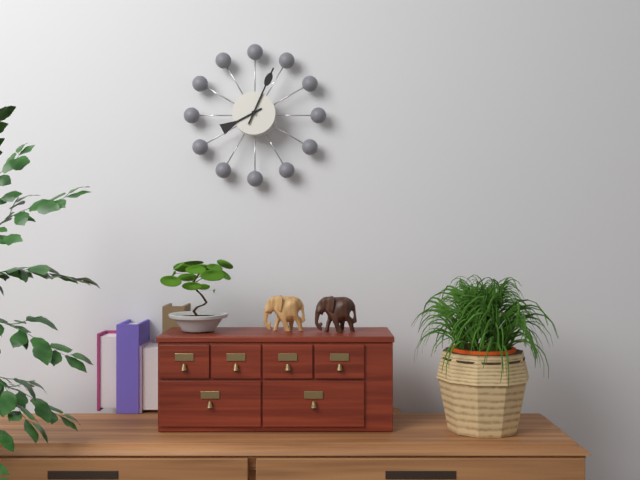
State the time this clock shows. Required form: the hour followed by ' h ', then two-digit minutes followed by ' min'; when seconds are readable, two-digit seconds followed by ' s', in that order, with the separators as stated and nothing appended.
8 h 04 min
